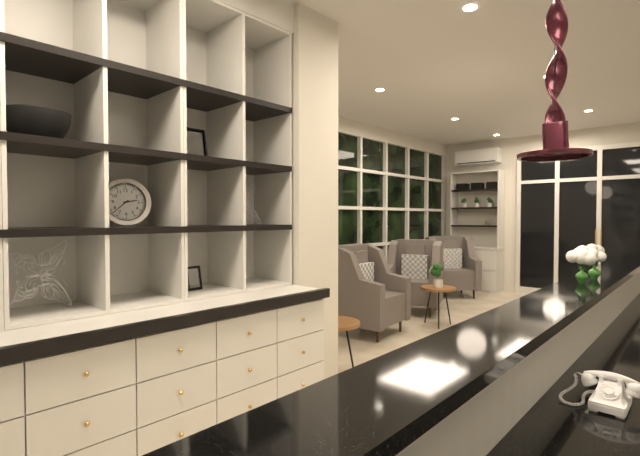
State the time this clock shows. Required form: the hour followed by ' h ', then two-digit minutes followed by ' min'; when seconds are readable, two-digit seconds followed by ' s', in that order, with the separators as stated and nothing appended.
2 h 38 min
